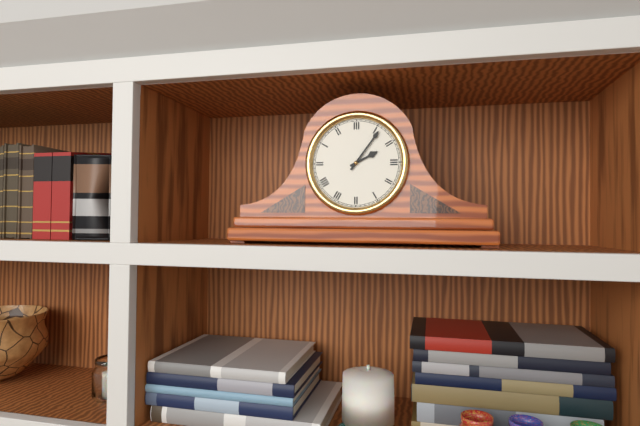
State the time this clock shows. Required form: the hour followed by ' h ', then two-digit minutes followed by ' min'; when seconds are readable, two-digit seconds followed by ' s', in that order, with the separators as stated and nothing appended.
2 h 06 min
